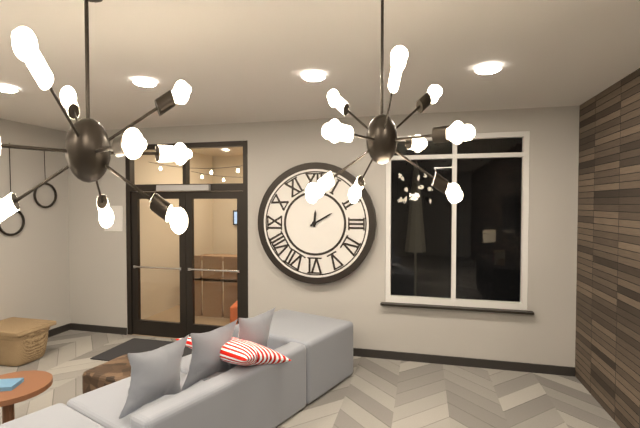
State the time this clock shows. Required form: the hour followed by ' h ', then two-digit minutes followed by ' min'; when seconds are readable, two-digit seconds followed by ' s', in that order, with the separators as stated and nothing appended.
12 h 10 min
